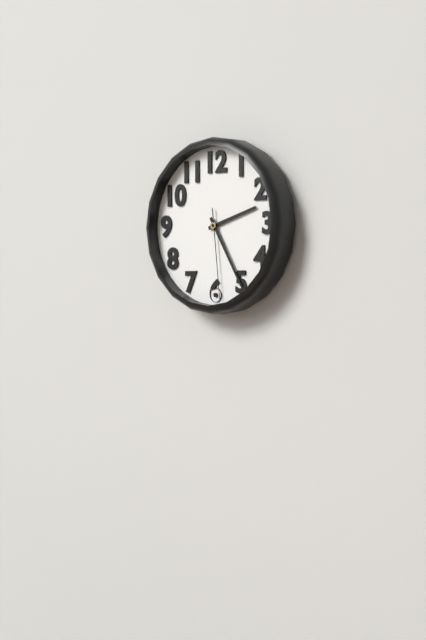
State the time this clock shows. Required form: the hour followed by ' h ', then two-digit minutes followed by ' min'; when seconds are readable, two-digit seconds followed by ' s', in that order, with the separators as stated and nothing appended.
2 h 25 min 29 s
